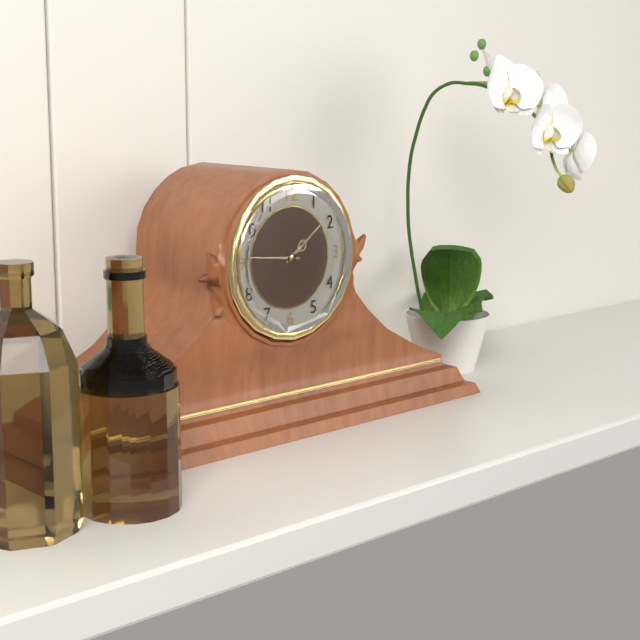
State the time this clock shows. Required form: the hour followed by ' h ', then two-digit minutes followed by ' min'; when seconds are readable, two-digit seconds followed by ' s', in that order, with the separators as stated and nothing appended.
1 h 46 min
